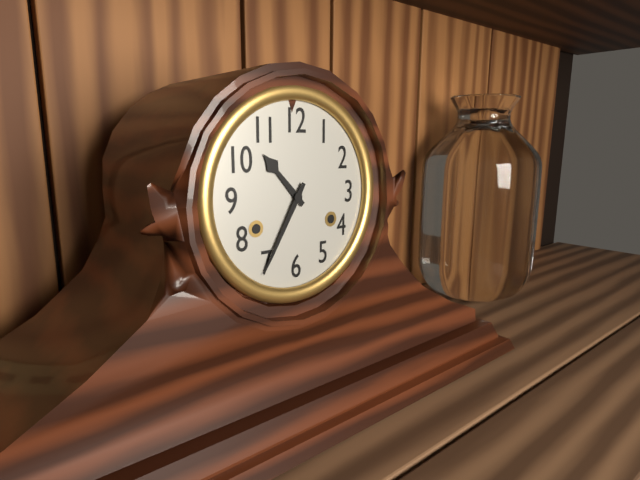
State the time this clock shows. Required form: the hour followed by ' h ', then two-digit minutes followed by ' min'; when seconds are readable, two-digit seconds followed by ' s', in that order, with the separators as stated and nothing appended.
10 h 35 min
